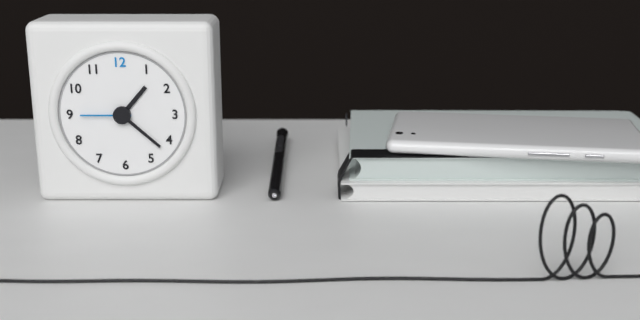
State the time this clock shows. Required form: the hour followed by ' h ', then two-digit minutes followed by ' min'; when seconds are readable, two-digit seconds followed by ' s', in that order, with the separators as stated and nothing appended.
1 h 22 min 45 s
